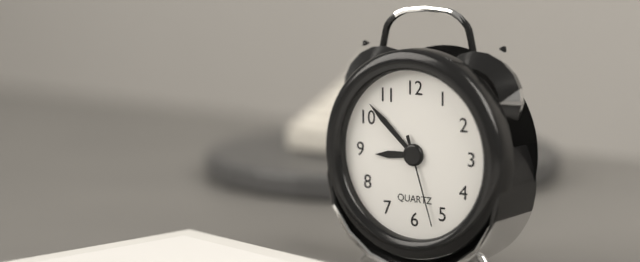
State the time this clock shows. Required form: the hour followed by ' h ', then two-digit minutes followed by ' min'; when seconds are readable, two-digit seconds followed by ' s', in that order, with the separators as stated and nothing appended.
8 h 52 min 27 s
